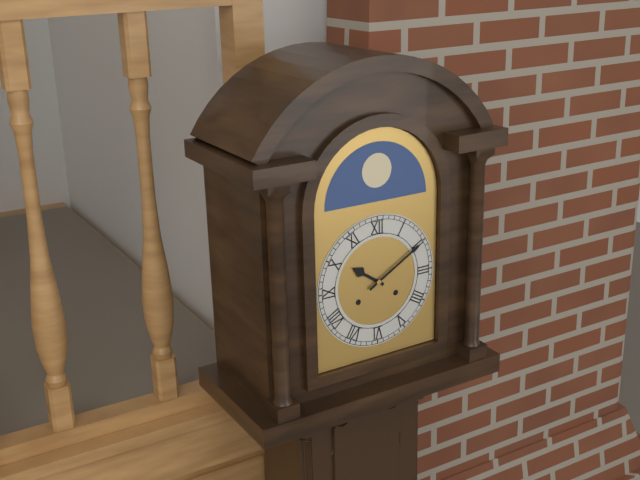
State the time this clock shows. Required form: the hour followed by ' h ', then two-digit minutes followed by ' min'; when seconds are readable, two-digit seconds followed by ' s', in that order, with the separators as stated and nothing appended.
10 h 10 min
